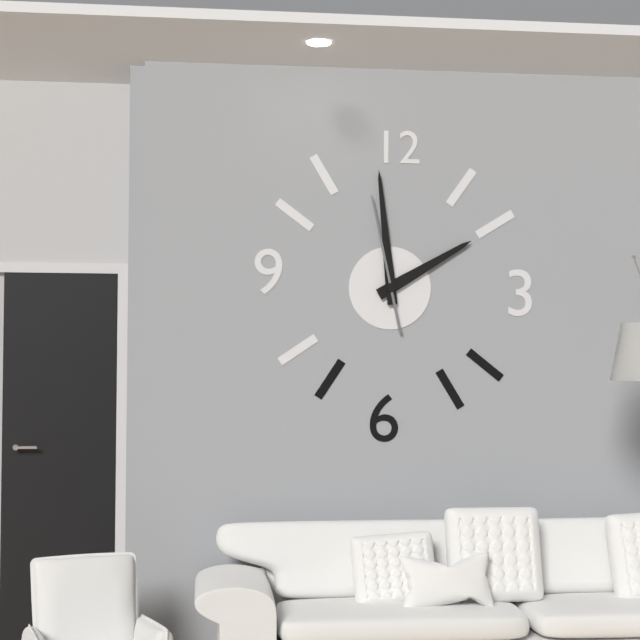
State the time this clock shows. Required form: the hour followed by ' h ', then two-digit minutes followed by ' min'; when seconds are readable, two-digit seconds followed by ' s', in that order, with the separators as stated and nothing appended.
1 h 59 min 58 s
